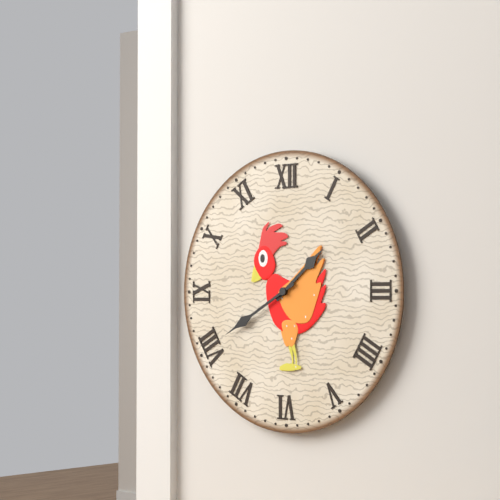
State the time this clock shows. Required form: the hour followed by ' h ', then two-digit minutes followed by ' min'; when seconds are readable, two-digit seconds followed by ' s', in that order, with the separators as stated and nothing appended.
1 h 40 min
